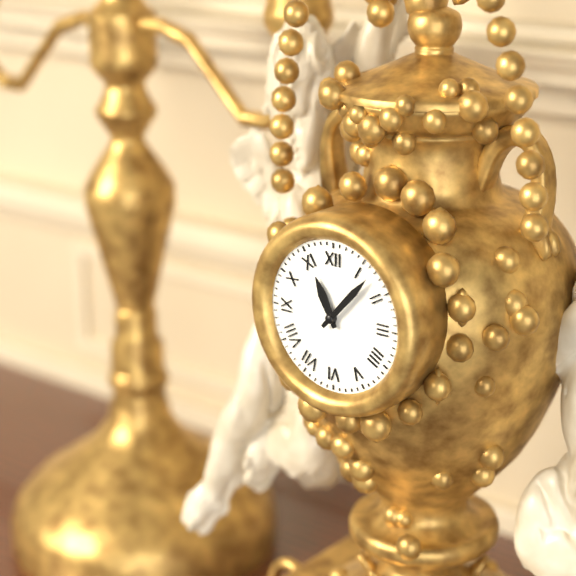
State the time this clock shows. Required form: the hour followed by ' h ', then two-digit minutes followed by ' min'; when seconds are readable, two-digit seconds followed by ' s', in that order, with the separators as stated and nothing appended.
11 h 07 min
